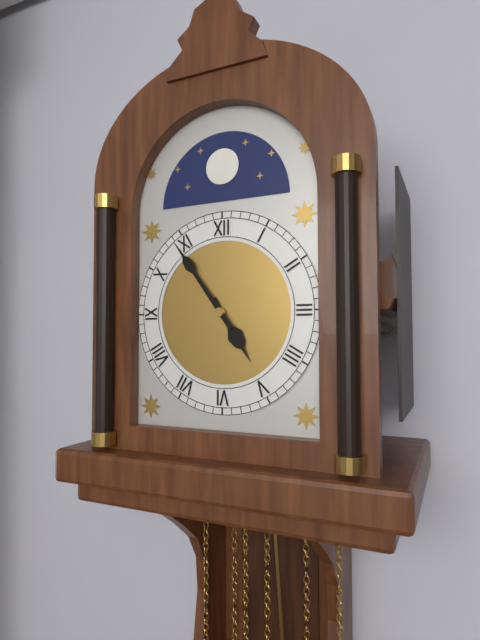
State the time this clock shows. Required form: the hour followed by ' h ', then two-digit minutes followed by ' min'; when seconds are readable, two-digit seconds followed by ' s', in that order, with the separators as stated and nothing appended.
4 h 54 min
